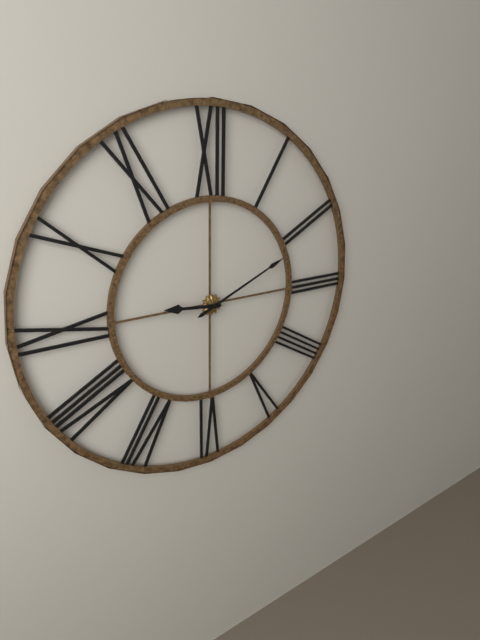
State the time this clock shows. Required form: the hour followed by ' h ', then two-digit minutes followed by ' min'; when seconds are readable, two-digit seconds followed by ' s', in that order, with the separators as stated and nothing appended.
9 h 11 min
